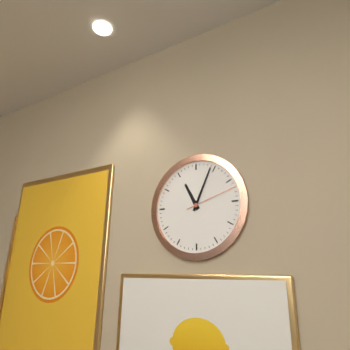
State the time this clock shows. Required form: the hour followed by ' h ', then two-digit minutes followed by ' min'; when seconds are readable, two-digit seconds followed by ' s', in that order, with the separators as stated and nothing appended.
11 h 04 min 12 s
